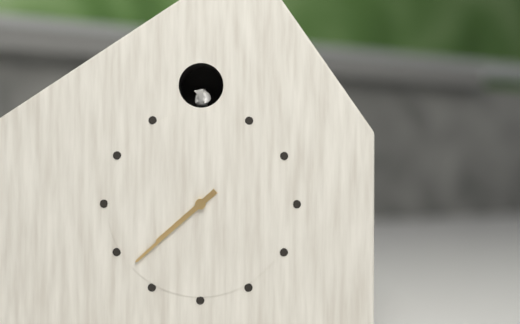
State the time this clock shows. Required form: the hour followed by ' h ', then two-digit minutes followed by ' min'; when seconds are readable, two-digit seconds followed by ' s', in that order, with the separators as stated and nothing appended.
7 h 38 min
